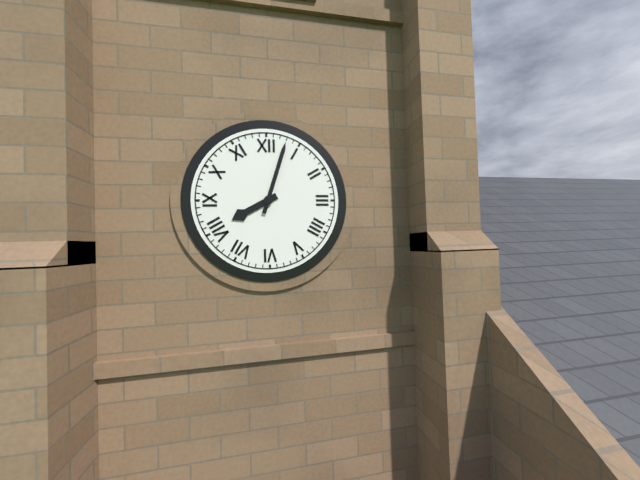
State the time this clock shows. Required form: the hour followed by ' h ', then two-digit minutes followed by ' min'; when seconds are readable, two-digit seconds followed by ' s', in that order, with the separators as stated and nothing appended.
8 h 03 min
